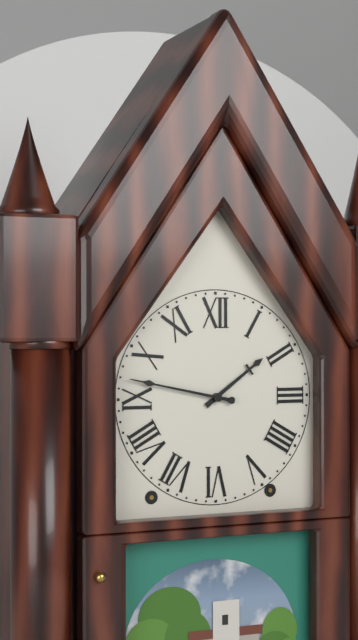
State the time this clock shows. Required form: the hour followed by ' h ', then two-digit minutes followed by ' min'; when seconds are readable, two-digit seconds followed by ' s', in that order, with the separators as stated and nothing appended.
1 h 47 min
